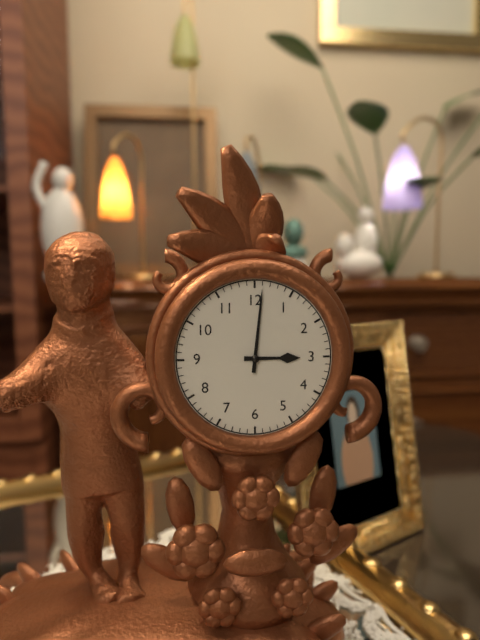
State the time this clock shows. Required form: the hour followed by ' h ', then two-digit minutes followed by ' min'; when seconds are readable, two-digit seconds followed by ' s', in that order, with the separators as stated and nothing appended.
3 h 01 min
